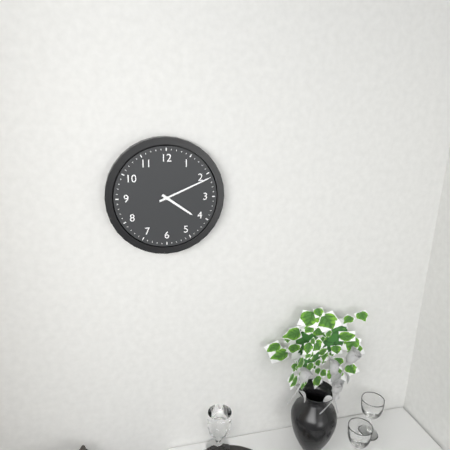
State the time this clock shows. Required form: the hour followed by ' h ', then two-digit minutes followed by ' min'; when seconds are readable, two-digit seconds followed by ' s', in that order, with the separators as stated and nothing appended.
4 h 11 min
